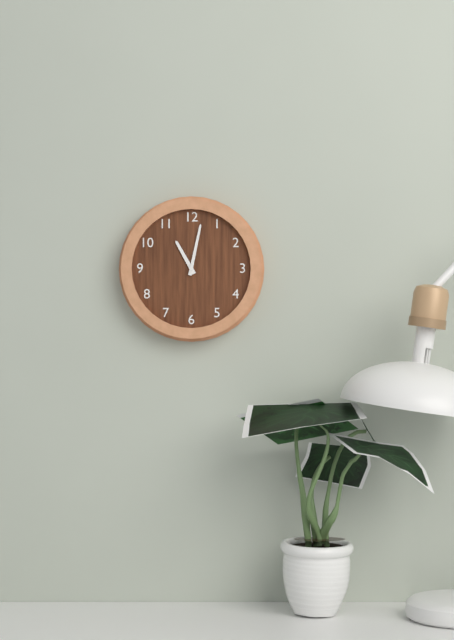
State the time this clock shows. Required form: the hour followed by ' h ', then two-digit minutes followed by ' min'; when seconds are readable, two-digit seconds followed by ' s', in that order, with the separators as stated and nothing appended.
11 h 02 min
